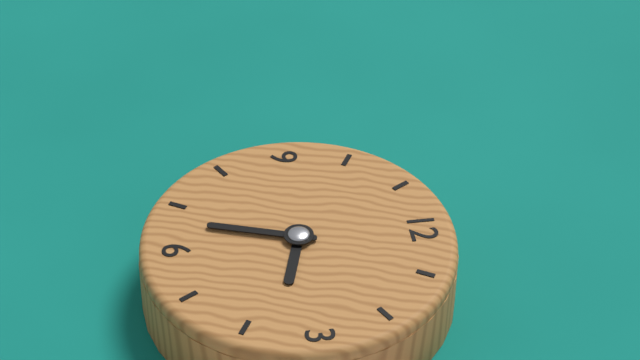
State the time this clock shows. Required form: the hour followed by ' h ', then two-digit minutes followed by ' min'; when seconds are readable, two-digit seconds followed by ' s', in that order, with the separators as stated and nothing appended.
3 h 33 min
